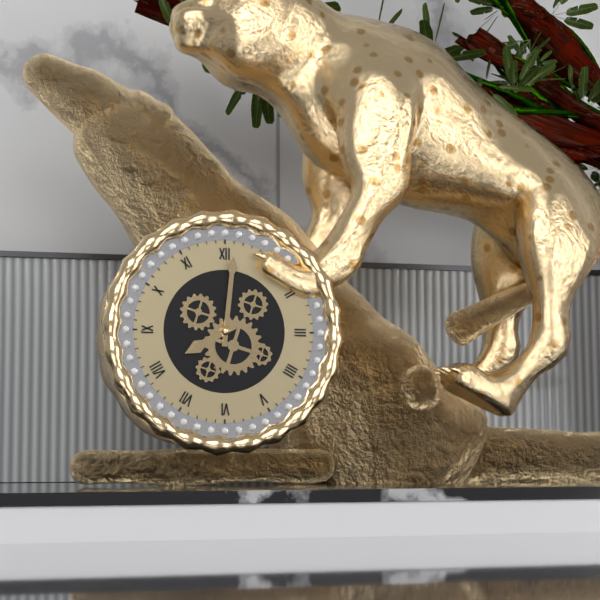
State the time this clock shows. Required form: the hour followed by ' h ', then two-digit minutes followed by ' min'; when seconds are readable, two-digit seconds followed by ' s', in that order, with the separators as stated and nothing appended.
8 h 01 min
